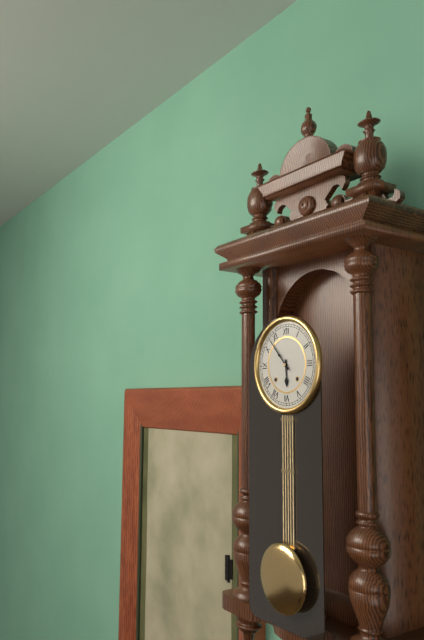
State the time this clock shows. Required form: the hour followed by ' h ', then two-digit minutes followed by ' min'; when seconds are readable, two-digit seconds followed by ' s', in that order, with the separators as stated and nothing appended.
5 h 53 min
